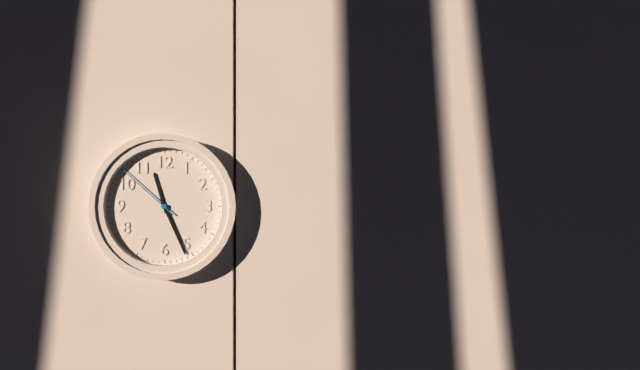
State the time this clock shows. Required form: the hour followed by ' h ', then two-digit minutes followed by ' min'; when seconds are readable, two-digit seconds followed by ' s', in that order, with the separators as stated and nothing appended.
11 h 26 min 52 s
